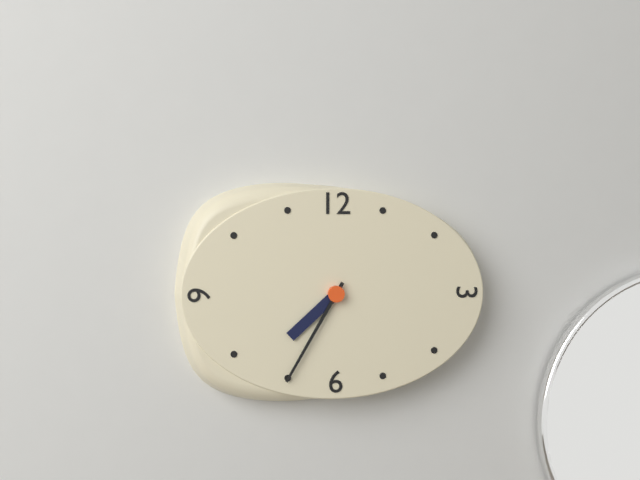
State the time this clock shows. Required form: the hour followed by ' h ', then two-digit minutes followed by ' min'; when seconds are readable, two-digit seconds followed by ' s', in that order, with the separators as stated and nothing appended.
7 h 35 min
